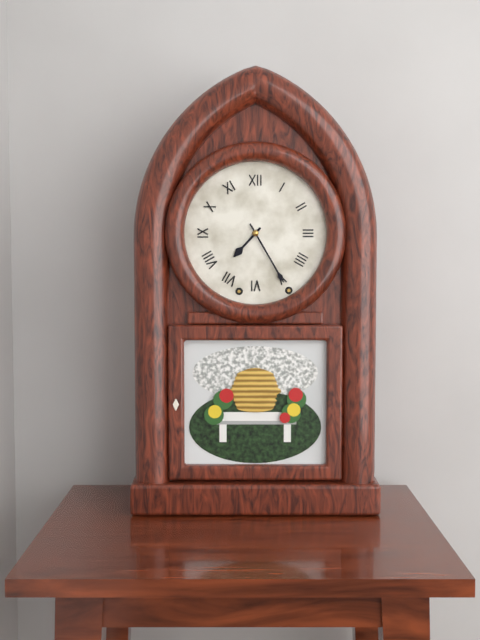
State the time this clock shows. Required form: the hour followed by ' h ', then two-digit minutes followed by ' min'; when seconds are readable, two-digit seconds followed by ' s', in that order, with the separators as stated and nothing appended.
7 h 25 min
